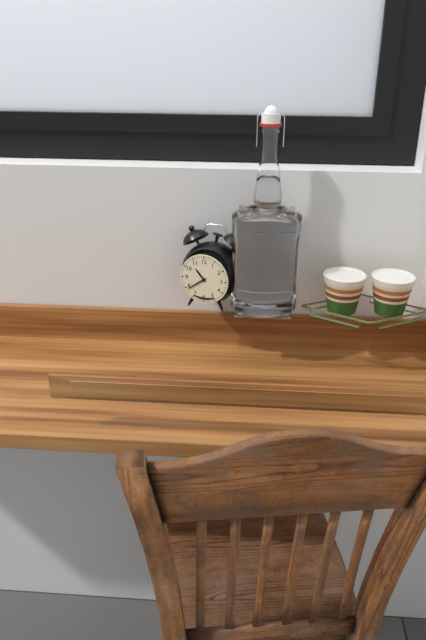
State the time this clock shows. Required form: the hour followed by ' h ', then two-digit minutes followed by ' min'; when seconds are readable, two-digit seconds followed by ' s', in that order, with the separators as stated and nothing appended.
10 h 39 min
